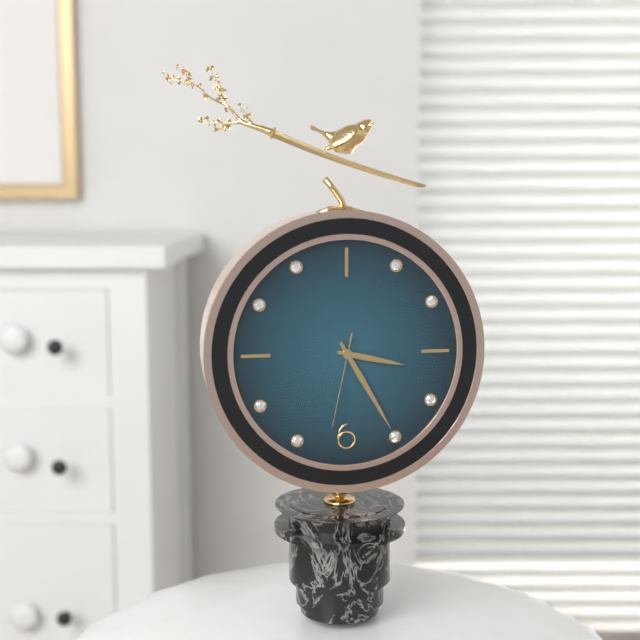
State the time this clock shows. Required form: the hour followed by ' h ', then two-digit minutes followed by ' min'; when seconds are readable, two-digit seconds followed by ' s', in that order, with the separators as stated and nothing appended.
3 h 25 min 32 s
